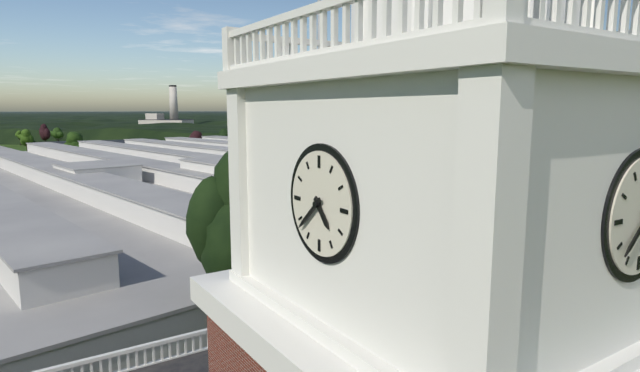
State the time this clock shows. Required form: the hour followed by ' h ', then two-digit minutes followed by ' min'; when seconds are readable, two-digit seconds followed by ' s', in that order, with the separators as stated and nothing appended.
4 h 38 min
